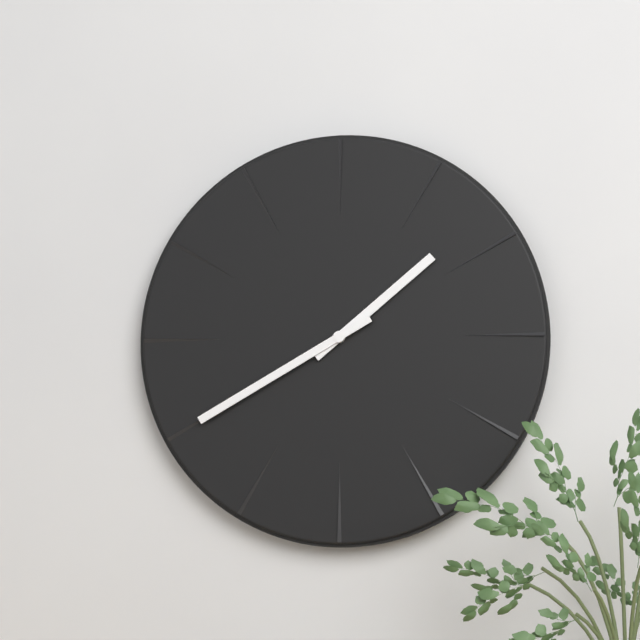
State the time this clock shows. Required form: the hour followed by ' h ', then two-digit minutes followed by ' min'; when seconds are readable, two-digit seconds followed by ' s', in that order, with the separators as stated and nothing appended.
1 h 40 min
